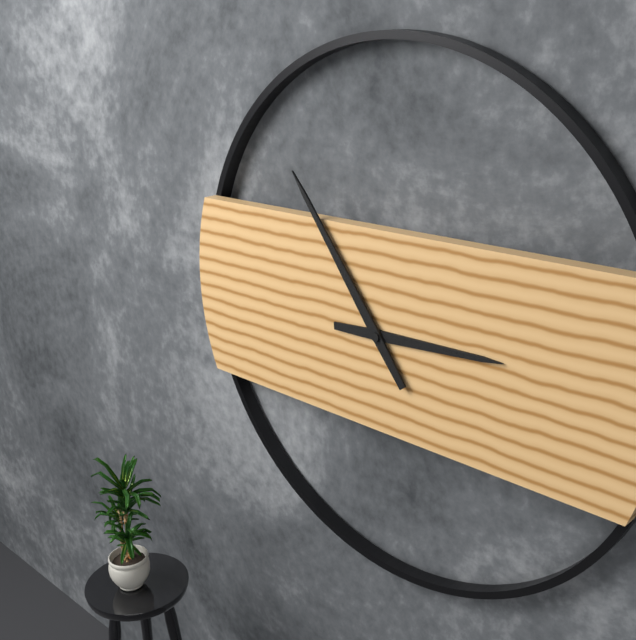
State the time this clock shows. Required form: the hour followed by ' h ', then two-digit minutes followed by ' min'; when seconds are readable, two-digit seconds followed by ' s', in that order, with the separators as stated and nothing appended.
2 h 54 min
